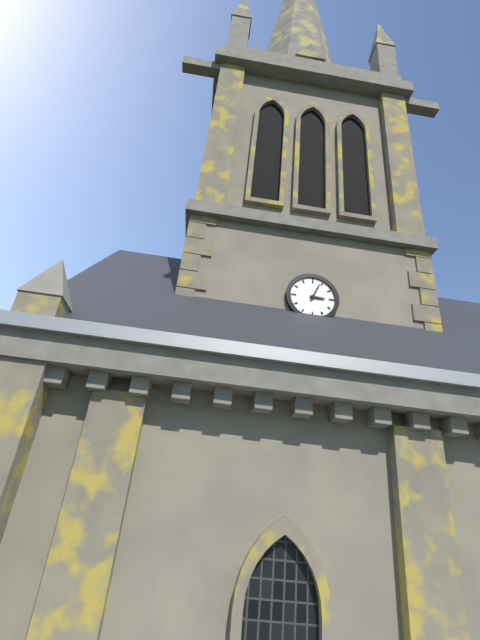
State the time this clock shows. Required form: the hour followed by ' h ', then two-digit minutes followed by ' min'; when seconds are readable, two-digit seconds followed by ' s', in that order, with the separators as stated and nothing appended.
3 h 04 min
